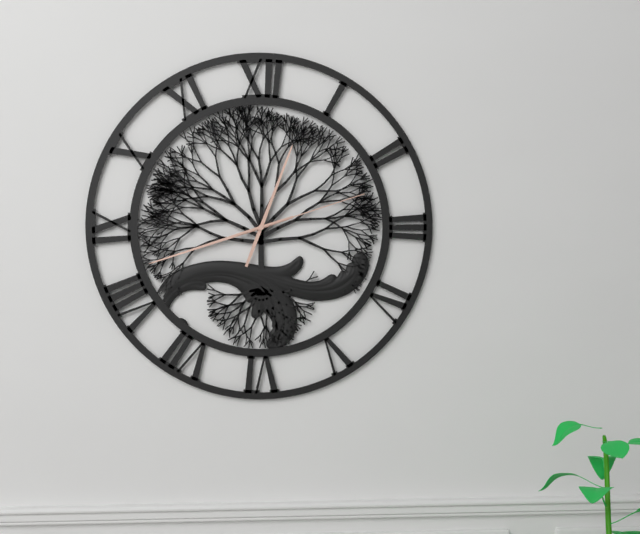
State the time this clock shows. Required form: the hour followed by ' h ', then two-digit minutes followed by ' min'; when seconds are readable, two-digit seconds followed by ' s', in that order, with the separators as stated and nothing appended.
12 h 42 min 12 s
